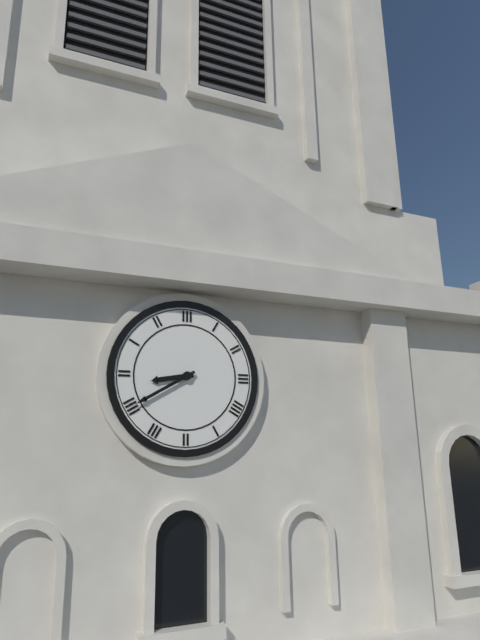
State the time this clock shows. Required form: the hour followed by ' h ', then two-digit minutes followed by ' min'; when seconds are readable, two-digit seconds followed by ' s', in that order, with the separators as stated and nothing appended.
8 h 40 min
